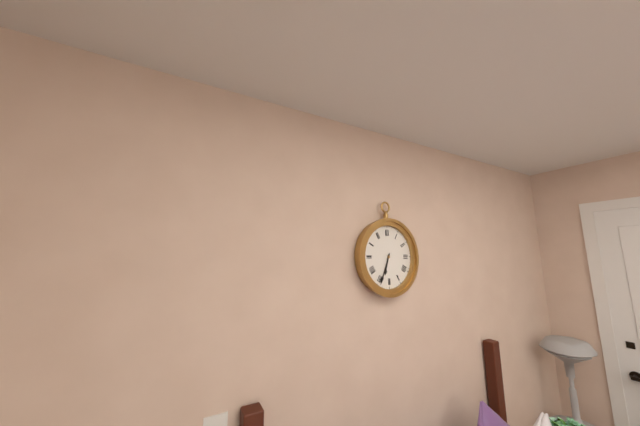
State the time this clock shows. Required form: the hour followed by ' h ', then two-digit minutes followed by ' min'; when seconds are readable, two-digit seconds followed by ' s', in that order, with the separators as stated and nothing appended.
6 h 34 min
